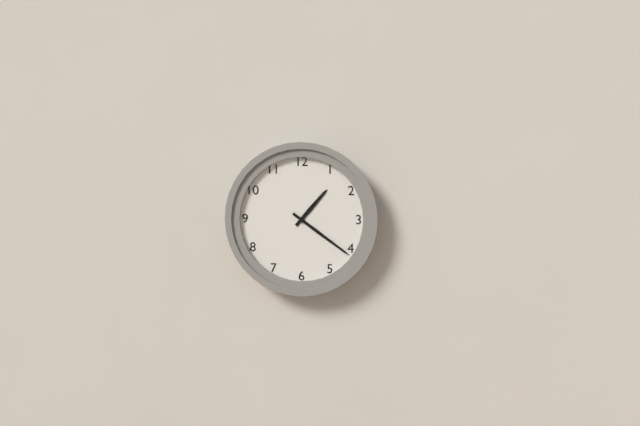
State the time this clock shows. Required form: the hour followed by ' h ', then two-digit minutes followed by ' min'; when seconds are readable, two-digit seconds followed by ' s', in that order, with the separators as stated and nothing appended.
1 h 21 min
